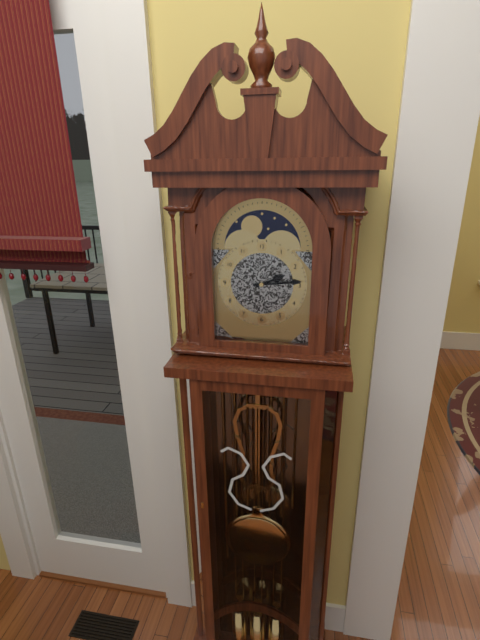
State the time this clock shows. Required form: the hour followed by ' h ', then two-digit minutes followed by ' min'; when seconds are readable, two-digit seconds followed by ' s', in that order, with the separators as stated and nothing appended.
2 h 14 min
